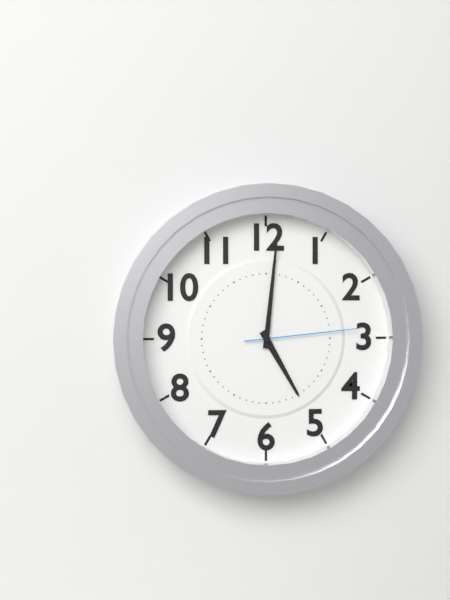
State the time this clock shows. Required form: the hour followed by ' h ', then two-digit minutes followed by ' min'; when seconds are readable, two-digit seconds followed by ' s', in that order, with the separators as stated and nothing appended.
5 h 01 min 14 s
